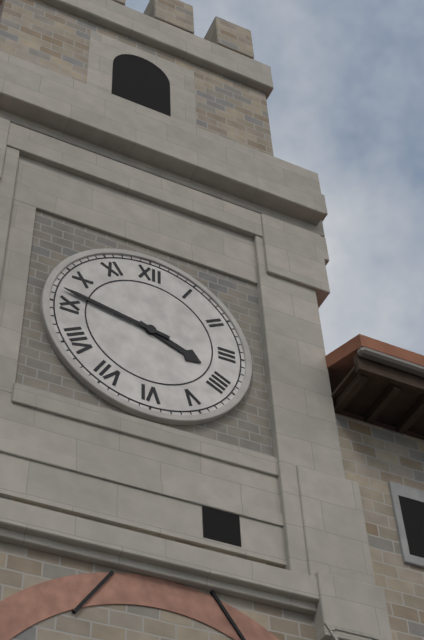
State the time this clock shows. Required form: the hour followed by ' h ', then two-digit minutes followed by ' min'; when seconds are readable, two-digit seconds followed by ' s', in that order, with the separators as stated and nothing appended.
3 h 47 min
